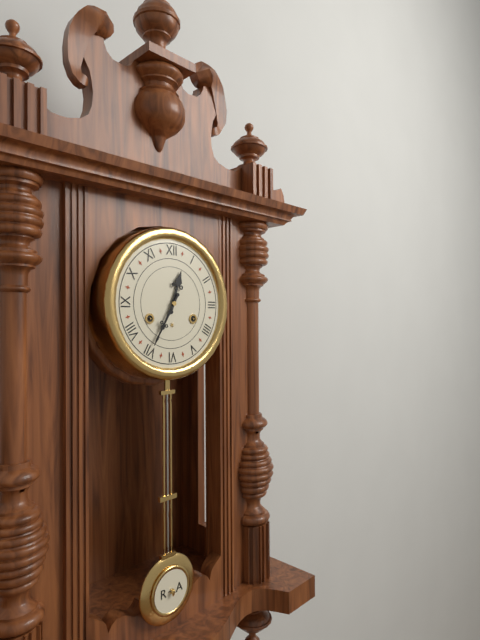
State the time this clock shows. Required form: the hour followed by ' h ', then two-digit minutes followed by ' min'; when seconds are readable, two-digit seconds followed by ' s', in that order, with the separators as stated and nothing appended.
12 h 35 min
